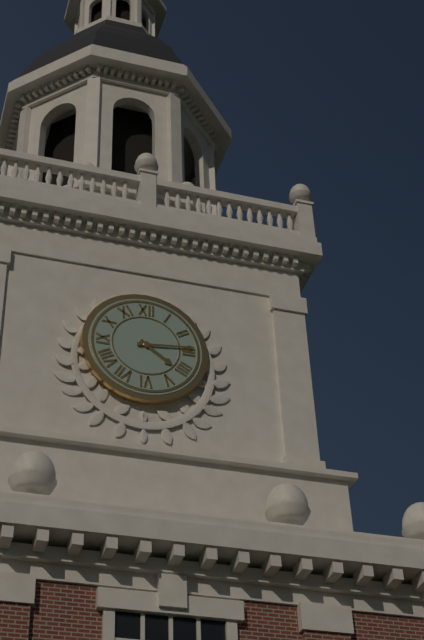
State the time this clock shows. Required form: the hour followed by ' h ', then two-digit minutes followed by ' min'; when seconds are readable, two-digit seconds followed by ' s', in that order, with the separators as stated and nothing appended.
4 h 14 min
